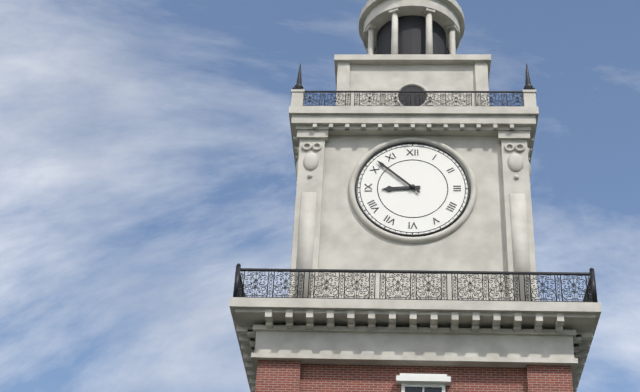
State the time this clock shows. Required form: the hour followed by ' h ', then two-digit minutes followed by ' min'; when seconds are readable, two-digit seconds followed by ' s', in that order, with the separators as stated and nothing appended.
8 h 52 min
